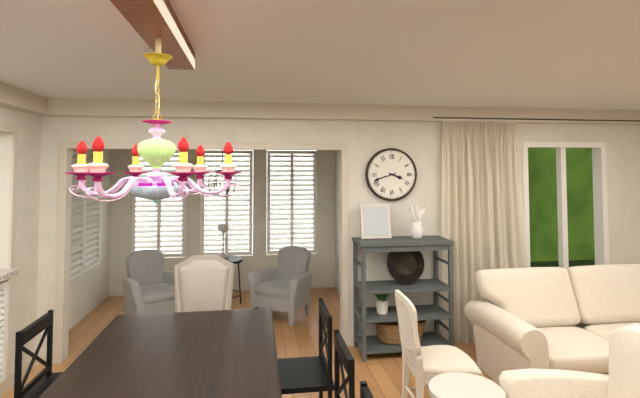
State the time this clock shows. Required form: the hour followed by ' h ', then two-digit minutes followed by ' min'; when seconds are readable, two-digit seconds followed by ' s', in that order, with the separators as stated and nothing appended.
3 h 42 min
